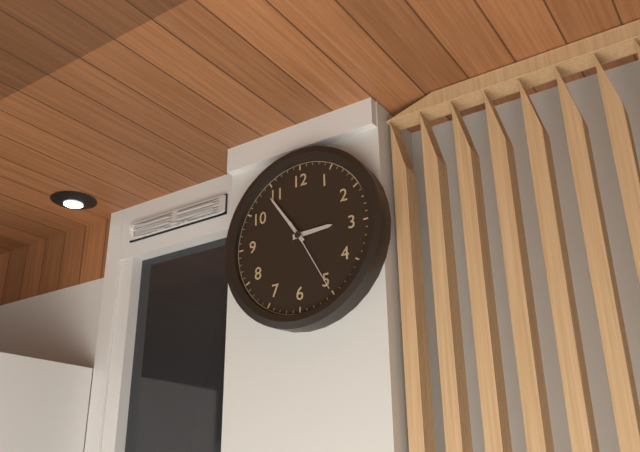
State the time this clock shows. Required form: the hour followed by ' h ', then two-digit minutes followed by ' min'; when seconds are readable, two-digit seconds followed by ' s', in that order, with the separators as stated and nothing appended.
2 h 54 min 25 s
